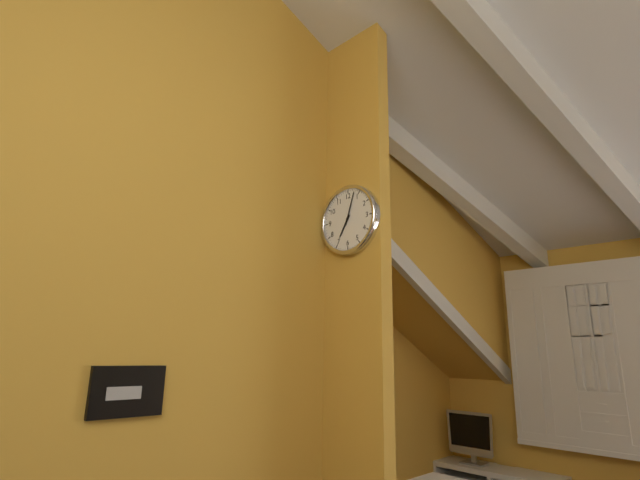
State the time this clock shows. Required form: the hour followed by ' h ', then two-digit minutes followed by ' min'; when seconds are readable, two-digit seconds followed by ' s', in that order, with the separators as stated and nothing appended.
7 h 03 min
